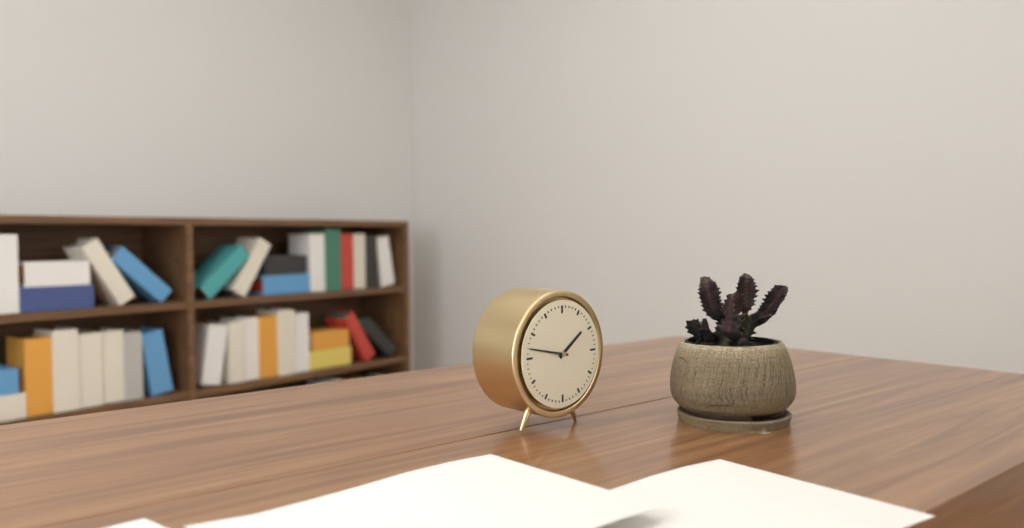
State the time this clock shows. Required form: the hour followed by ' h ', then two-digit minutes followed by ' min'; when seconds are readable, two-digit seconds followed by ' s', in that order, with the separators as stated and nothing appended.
1 h 47 min
